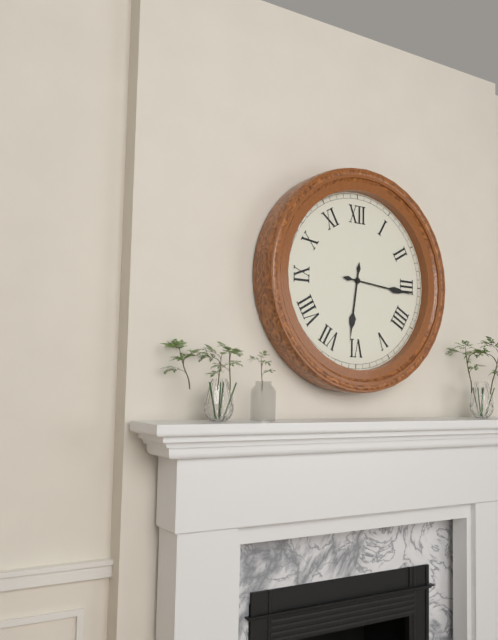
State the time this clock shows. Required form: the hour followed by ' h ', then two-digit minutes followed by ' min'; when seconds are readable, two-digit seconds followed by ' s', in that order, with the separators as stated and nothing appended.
6 h 16 min
